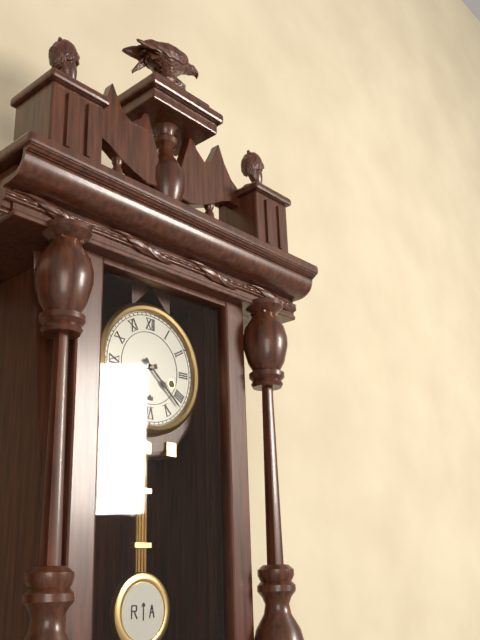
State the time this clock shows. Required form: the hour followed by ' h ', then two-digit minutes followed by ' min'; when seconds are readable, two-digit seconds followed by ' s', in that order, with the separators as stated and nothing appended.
8 h 22 min
